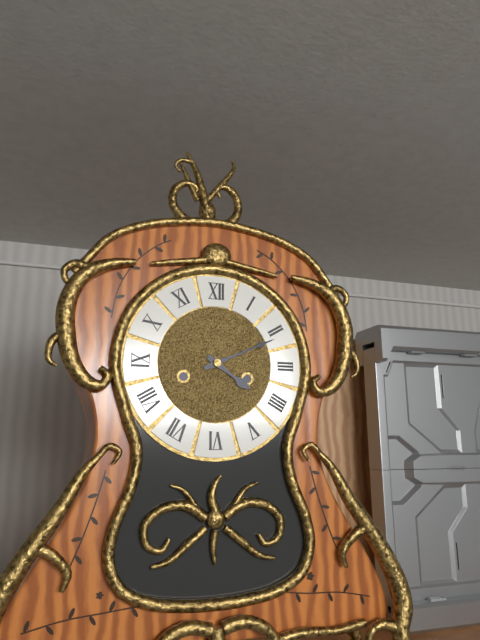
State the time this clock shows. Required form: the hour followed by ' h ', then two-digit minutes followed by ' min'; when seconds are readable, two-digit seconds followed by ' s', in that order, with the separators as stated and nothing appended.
4 h 11 min
